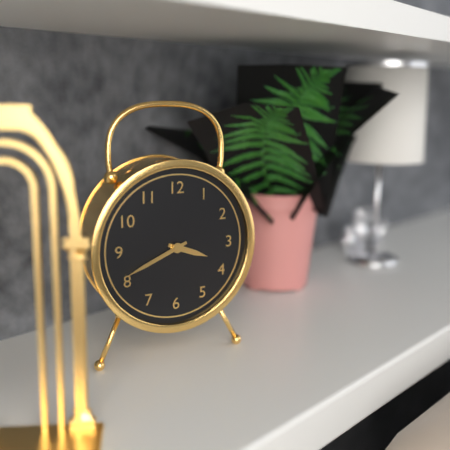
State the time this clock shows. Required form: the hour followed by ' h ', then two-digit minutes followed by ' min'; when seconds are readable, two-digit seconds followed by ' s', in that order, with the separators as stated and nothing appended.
3 h 41 min
